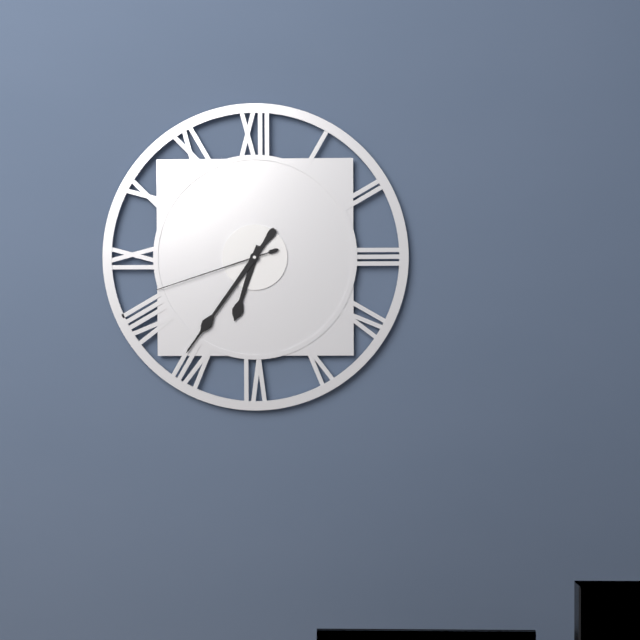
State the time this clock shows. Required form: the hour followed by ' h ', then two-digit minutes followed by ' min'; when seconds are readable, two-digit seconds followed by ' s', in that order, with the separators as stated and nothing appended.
6 h 36 min 42 s
